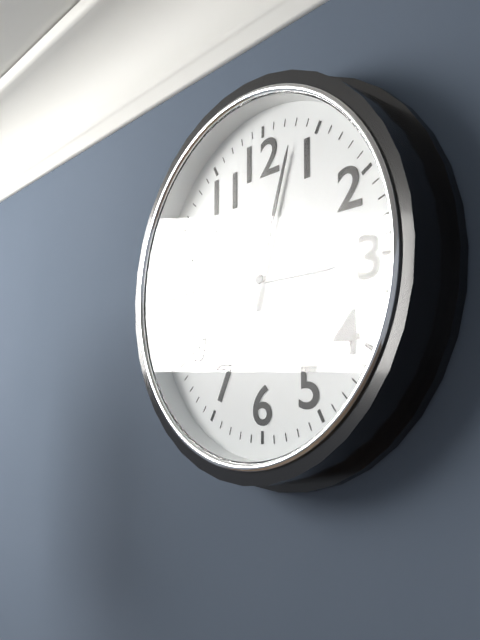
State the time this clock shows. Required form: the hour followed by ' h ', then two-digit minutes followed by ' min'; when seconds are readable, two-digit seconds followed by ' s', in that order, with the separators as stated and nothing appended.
3 h 03 min
